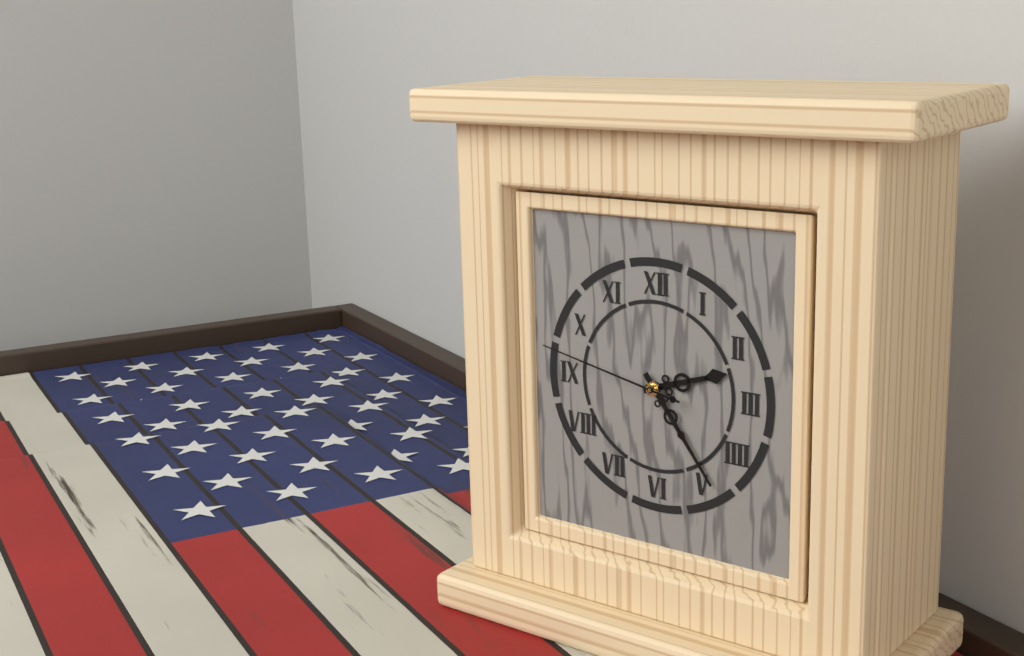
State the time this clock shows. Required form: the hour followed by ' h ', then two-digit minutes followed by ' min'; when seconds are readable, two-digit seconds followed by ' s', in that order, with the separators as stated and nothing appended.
2 h 24 min 47 s
